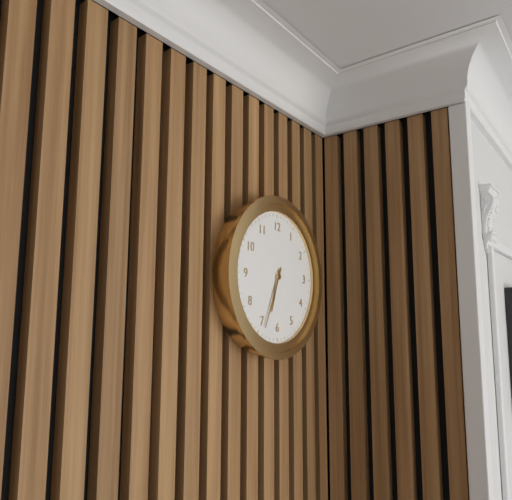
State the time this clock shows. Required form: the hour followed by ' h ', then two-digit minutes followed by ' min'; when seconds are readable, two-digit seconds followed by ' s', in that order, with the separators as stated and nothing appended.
6 h 34 min
